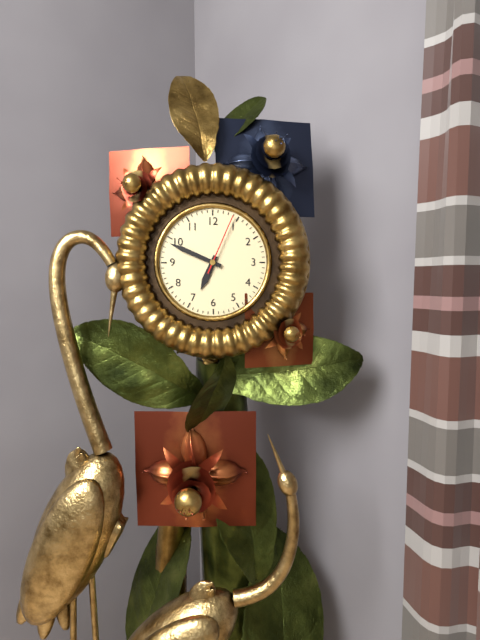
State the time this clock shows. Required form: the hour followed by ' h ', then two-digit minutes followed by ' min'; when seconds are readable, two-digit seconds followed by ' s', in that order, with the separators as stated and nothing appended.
6 h 49 min 04 s
